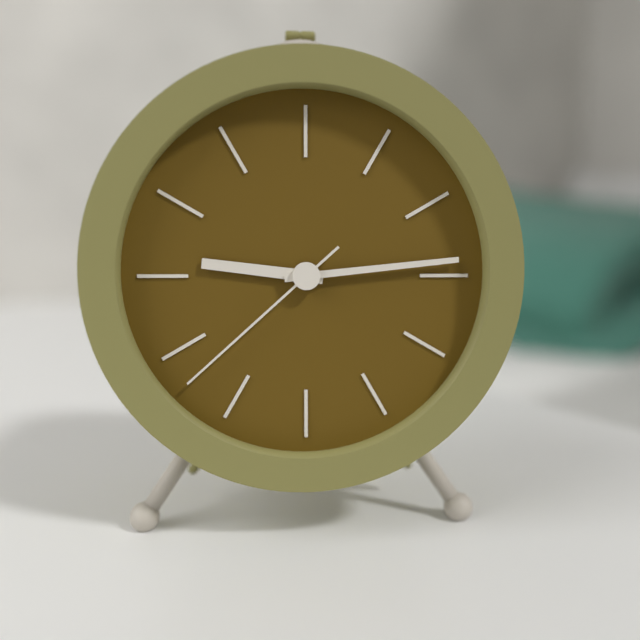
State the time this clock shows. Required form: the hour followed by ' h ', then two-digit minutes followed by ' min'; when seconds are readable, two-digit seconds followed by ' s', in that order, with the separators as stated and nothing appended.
9 h 14 min 38 s
